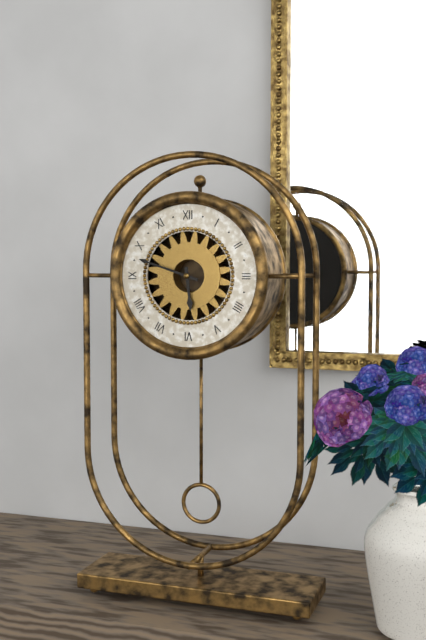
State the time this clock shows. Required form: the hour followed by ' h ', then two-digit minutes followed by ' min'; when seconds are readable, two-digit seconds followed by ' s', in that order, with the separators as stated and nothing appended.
5 h 48 min
